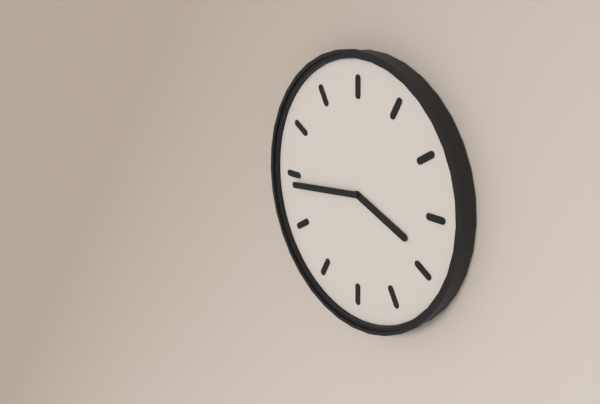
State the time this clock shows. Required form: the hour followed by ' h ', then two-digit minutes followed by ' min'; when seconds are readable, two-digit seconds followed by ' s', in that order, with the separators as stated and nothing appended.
3 h 44 min
